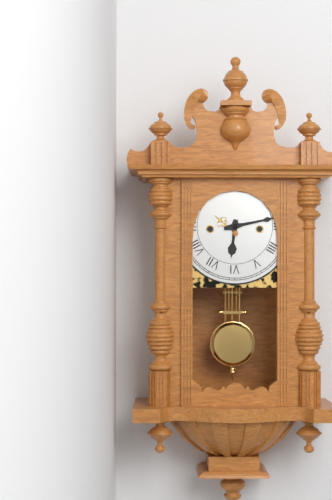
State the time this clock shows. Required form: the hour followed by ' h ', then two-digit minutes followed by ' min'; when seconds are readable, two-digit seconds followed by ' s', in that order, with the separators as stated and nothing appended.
6 h 13 min
